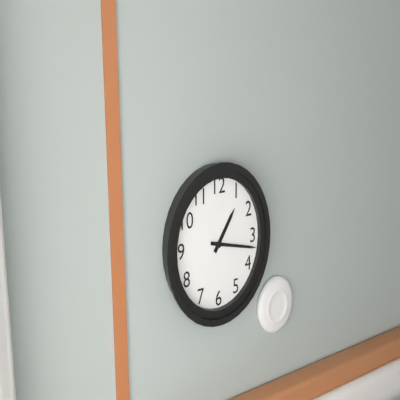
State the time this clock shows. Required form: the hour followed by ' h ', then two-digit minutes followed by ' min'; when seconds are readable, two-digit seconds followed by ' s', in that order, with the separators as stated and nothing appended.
1 h 17 min
